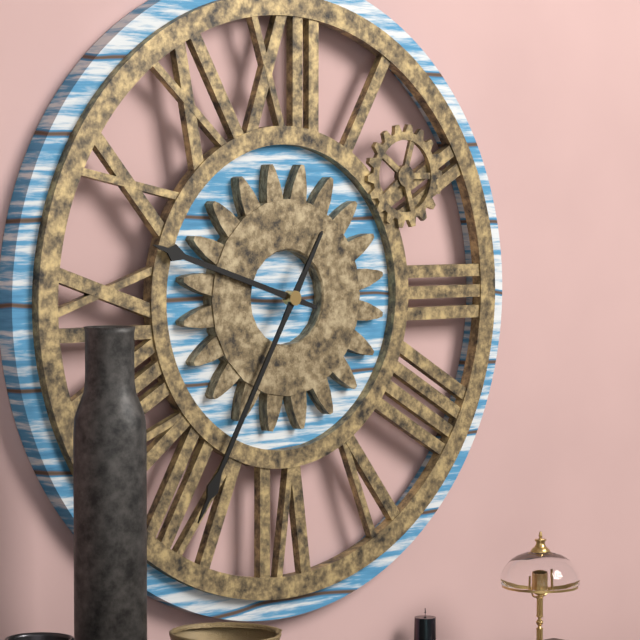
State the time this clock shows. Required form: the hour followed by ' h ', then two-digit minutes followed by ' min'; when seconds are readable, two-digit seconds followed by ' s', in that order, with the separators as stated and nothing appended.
9 h 35 min
